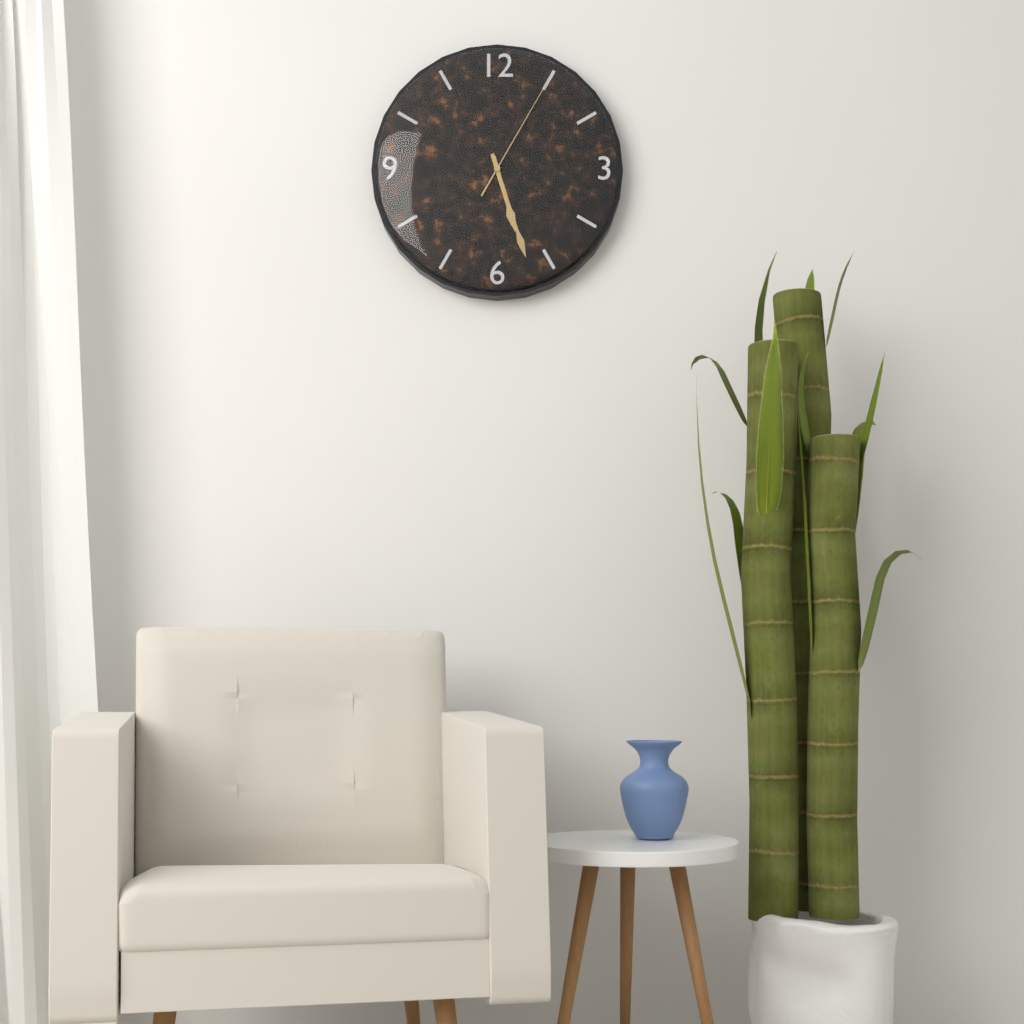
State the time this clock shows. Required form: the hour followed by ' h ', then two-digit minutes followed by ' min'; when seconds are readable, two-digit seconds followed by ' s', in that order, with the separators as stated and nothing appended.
5 h 27 min 05 s
